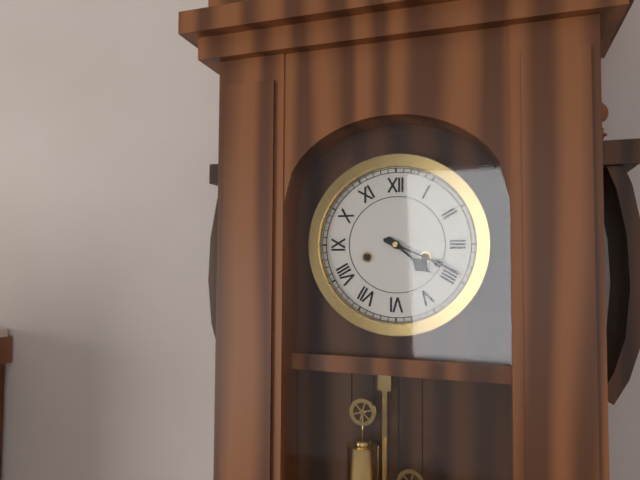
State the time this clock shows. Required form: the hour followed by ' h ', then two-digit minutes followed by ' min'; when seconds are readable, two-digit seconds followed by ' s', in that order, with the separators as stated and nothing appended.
4 h 19 min
